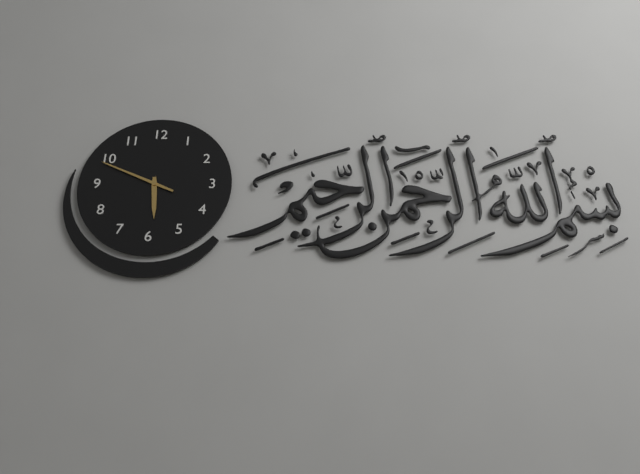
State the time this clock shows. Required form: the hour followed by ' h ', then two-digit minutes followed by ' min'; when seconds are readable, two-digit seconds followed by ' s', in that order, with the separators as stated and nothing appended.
5 h 49 min
